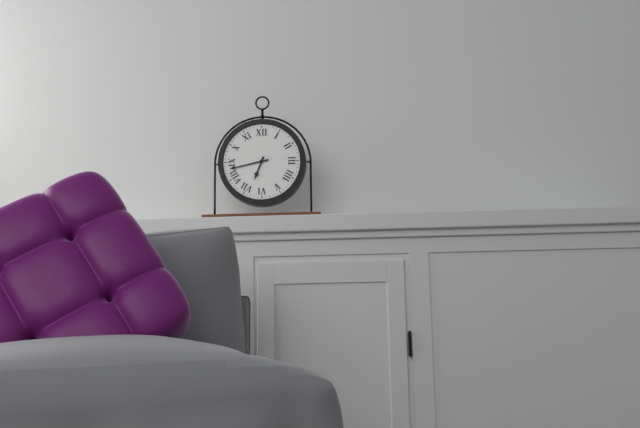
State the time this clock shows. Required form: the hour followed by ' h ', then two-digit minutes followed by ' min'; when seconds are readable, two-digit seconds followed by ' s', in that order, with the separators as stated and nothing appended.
6 h 43 min
